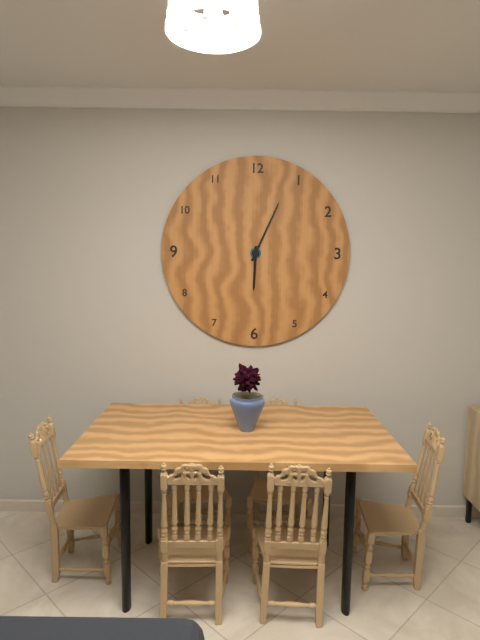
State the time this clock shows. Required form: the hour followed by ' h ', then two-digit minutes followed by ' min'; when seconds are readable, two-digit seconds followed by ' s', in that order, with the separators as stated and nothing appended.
6 h 04 min
